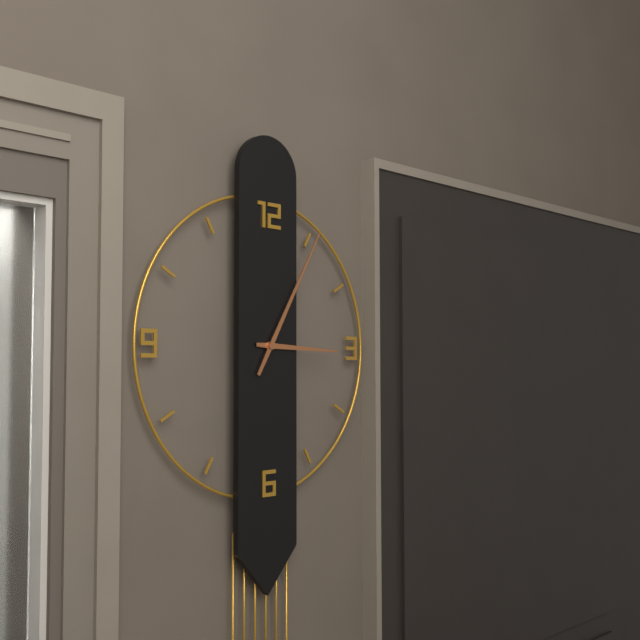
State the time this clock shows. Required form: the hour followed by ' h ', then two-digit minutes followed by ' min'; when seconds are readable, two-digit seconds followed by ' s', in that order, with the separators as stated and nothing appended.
3 h 05 min
